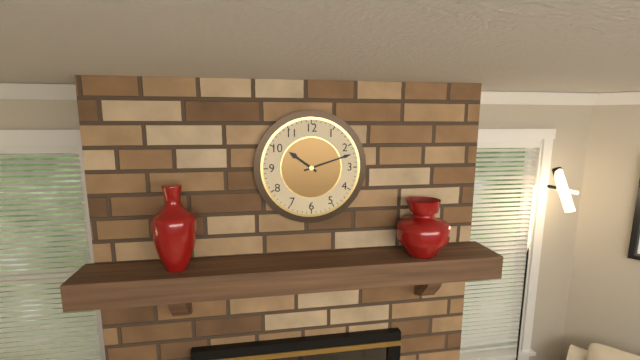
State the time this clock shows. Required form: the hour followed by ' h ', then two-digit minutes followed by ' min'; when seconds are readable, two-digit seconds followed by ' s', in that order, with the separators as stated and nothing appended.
10 h 12 min
